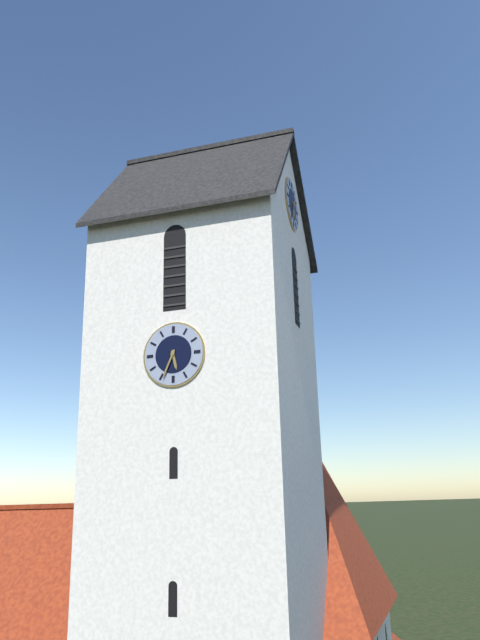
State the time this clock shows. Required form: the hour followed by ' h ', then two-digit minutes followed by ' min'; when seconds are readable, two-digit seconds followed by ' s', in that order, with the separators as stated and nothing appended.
5 h 34 min
